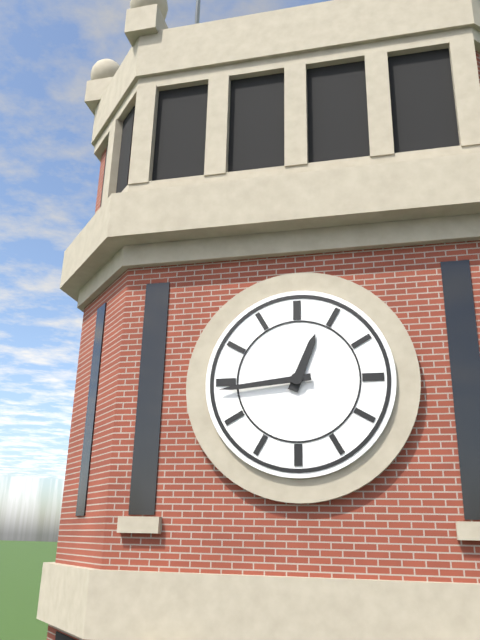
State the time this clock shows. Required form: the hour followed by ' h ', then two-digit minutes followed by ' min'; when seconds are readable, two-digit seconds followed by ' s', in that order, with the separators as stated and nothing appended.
12 h 44 min
